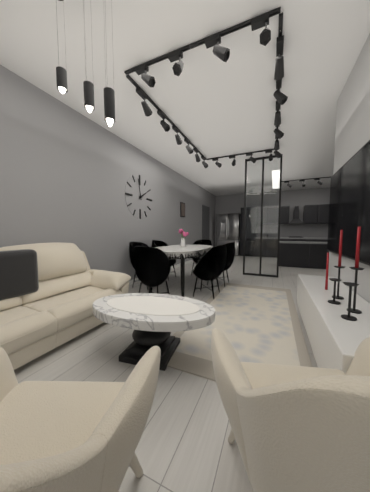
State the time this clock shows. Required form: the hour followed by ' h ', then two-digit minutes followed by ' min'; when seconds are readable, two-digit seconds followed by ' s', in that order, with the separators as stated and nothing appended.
1 h 58 min
